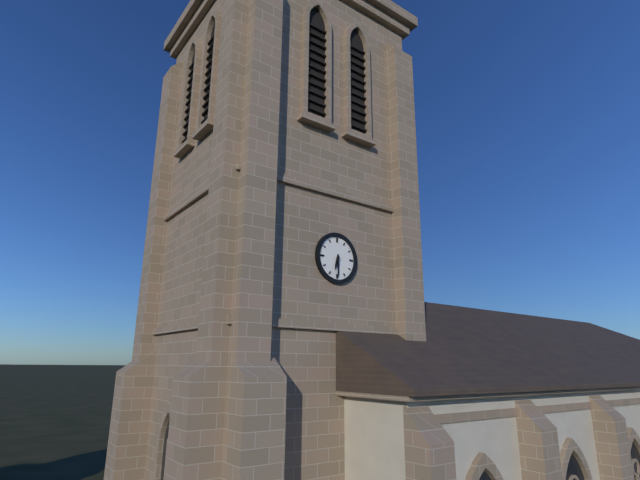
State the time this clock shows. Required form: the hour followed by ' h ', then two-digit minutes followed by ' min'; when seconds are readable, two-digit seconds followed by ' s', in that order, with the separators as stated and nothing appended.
6 h 30 min
